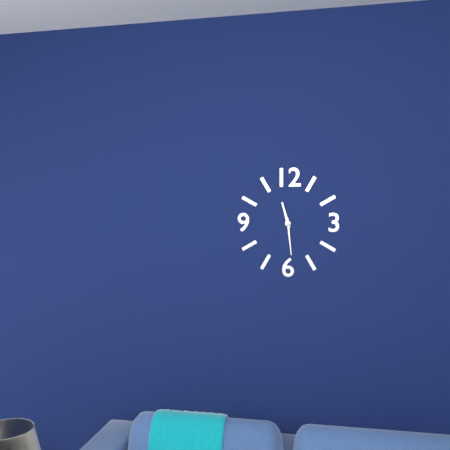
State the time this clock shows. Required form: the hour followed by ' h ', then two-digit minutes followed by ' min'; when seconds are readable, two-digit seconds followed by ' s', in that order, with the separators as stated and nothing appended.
11 h 29 min
